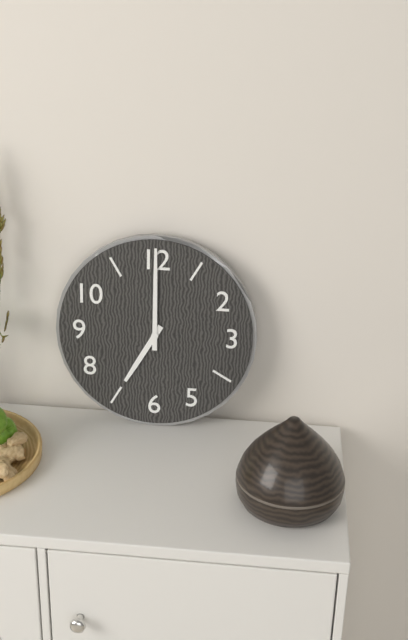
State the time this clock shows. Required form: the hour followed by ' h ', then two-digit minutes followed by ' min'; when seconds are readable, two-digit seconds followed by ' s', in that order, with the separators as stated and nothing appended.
7 h 00 min
